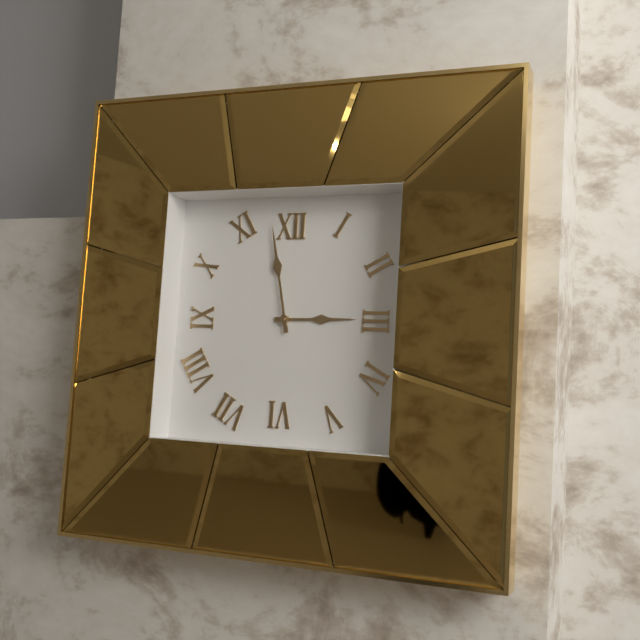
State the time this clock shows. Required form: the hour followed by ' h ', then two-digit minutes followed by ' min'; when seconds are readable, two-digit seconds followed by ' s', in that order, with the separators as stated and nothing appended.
2 h 58 min
